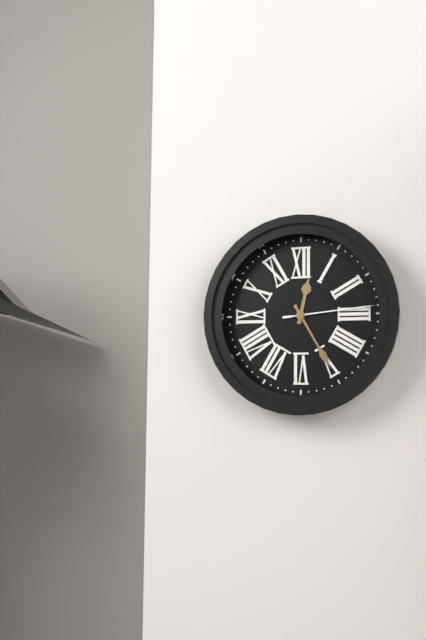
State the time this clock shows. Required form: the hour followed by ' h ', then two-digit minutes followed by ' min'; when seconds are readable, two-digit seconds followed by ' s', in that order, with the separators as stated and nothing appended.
12 h 25 min 14 s
